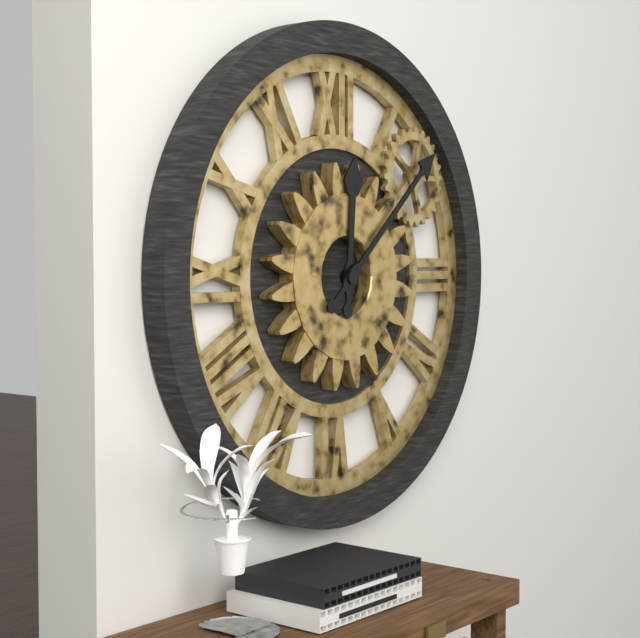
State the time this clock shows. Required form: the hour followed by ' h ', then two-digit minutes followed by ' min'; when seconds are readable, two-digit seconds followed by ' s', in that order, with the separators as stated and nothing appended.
12 h 08 min
